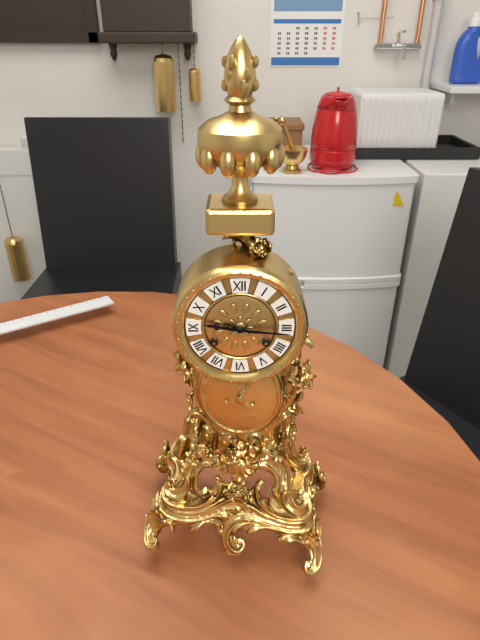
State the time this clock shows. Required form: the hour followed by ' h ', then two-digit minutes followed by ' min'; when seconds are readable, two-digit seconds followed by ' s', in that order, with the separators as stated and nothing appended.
9 h 16 min
